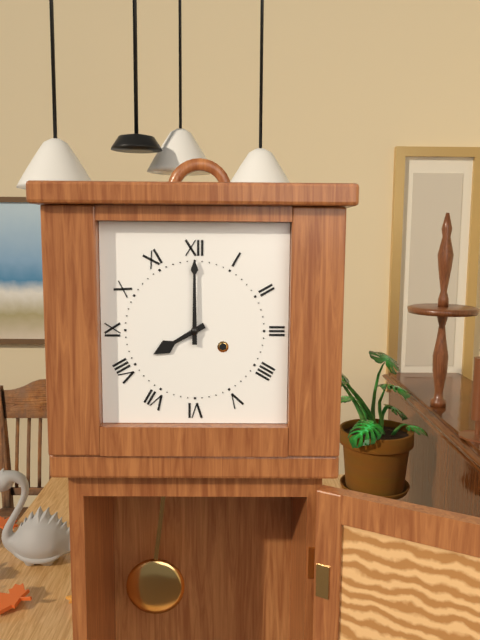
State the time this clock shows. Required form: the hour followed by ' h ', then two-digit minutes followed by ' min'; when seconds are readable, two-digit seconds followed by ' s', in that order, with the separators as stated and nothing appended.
8 h 00 min
